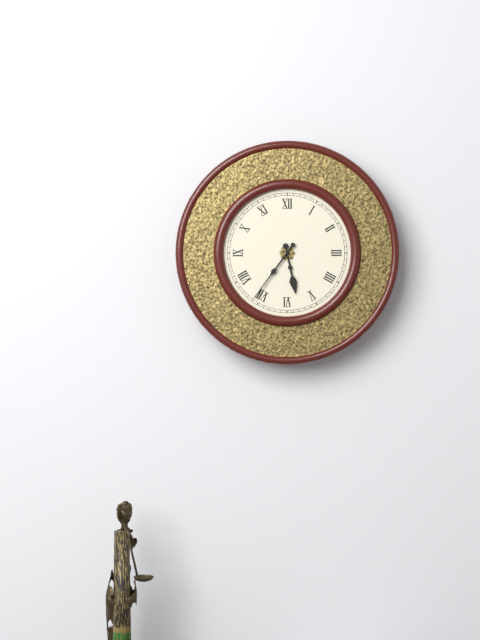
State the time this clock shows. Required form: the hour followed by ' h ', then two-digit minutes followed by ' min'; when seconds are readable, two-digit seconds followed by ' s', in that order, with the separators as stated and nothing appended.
5 h 36 min
